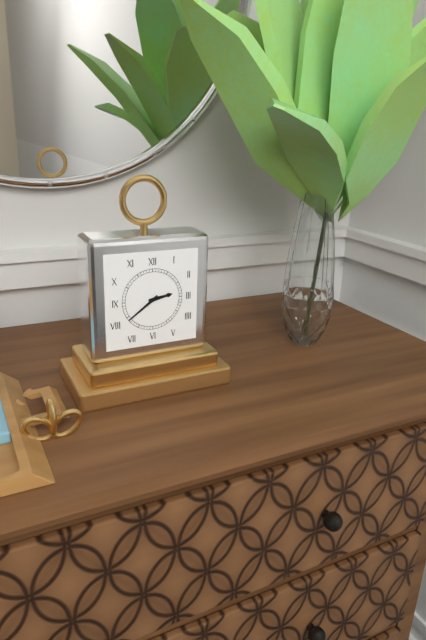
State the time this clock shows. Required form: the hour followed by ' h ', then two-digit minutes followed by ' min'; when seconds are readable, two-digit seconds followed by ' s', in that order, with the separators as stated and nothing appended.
2 h 39 min
